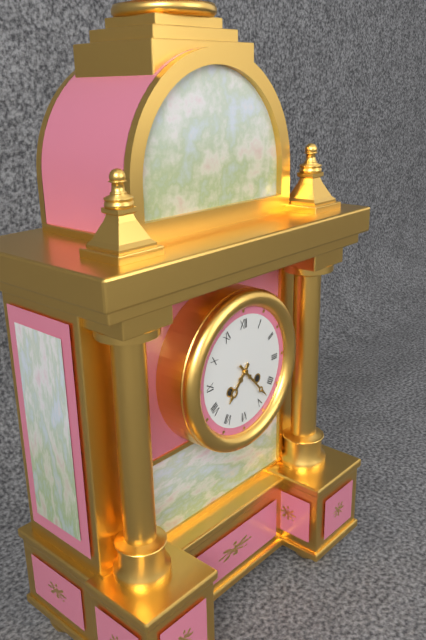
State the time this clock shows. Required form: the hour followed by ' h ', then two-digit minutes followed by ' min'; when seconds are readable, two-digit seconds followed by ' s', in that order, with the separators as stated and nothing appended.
7 h 23 min
